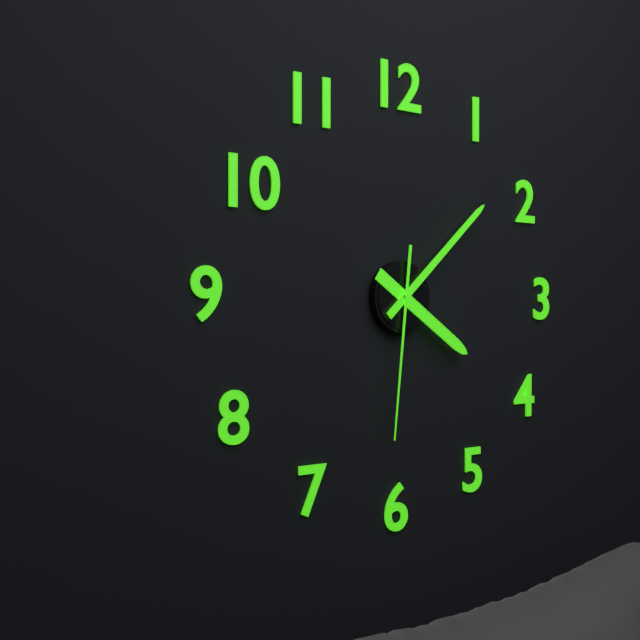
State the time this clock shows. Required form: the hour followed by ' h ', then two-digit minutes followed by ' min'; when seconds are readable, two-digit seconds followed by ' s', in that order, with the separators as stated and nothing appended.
4 h 08 min 31 s
